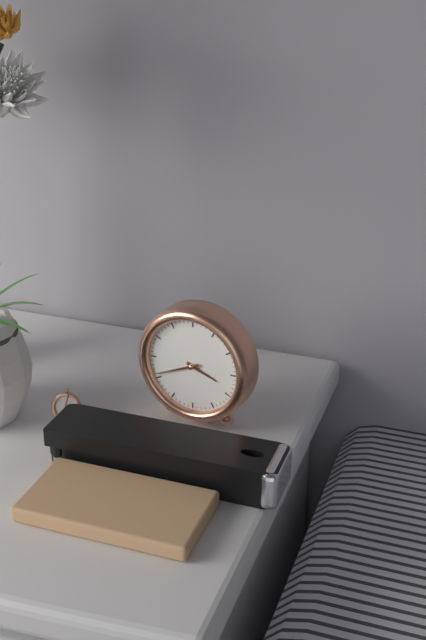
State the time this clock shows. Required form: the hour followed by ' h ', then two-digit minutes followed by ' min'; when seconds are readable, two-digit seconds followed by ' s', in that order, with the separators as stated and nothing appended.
3 h 41 min
